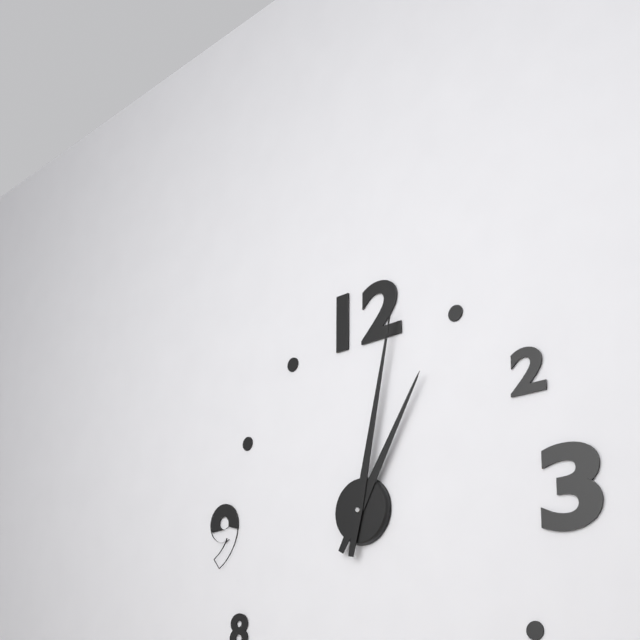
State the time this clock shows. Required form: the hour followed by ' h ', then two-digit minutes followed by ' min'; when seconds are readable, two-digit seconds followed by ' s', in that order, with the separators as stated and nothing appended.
1 h 02 min
